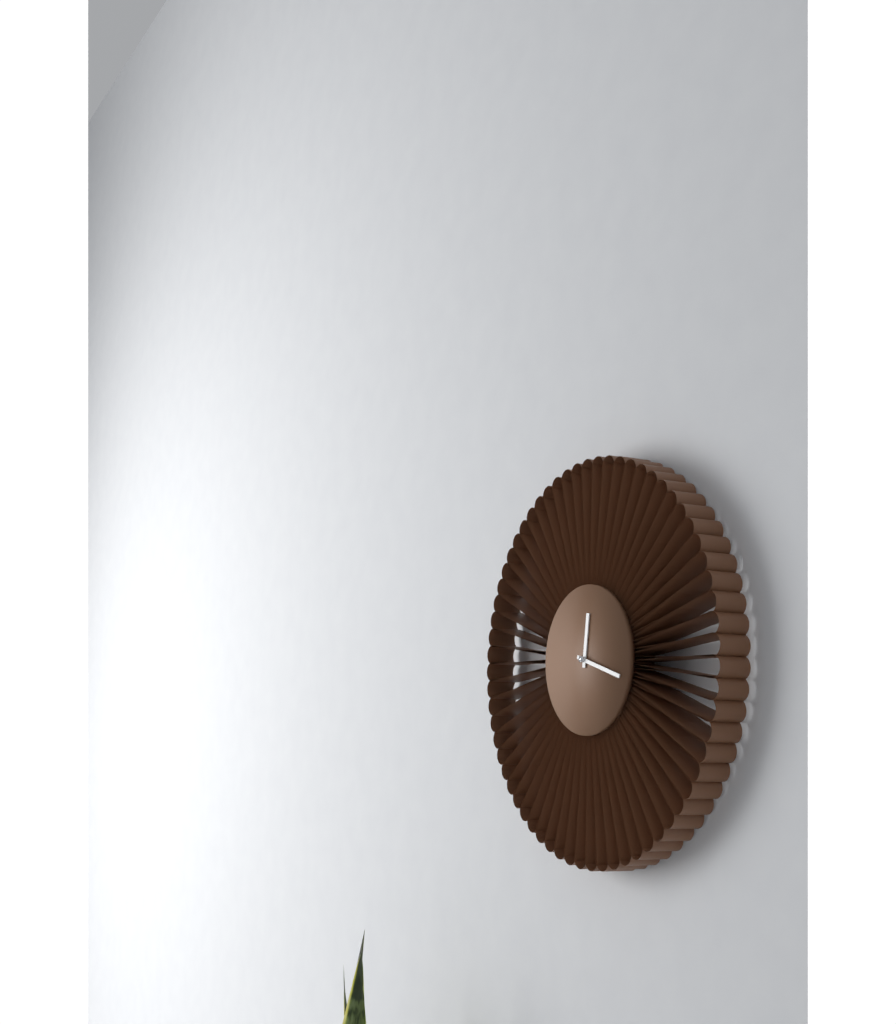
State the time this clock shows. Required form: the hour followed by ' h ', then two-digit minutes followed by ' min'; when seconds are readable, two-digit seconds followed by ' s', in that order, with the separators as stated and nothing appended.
12 h 18 min
